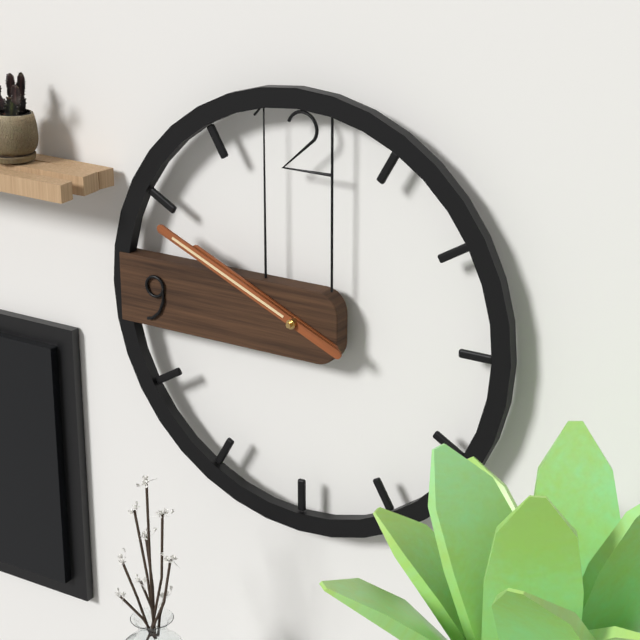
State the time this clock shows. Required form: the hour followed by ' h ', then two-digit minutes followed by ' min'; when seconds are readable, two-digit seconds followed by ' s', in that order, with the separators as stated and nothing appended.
9 h 49 min
